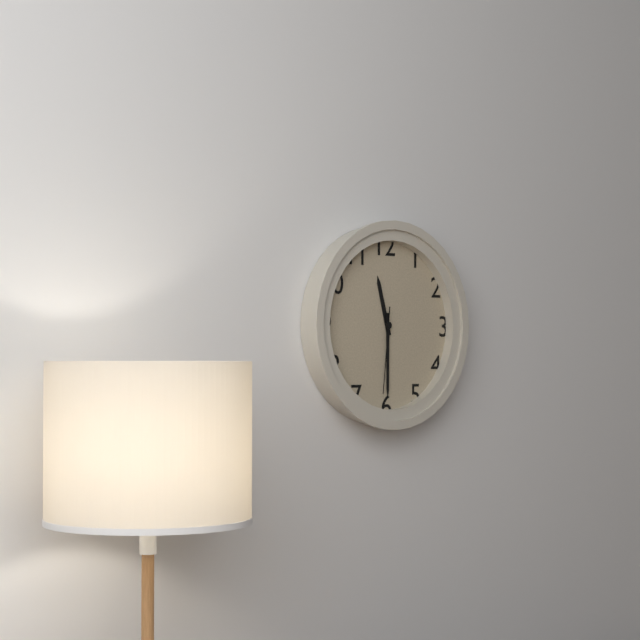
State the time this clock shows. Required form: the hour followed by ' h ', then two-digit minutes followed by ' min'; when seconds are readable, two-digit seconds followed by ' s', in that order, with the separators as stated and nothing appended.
11 h 30 min 31 s
